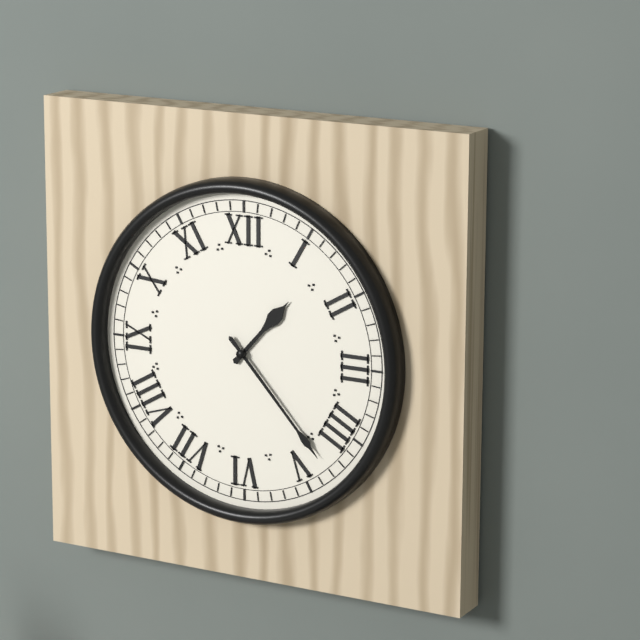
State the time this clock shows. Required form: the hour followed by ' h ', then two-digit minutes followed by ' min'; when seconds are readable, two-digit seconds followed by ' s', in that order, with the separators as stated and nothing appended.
1 h 23 min
